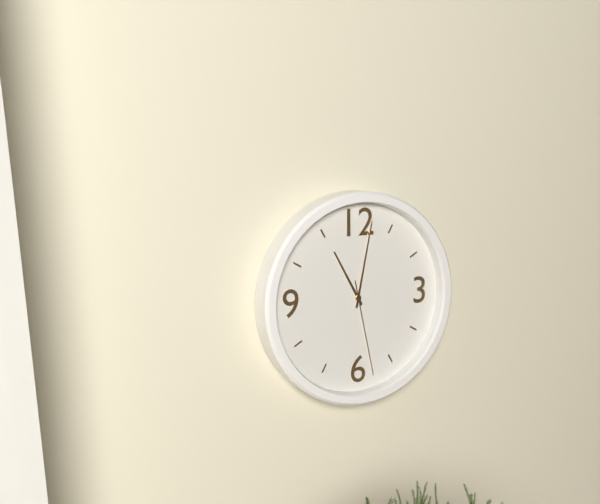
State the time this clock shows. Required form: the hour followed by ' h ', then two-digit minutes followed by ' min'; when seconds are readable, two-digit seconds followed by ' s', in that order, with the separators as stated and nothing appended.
11 h 02 min 28 s
